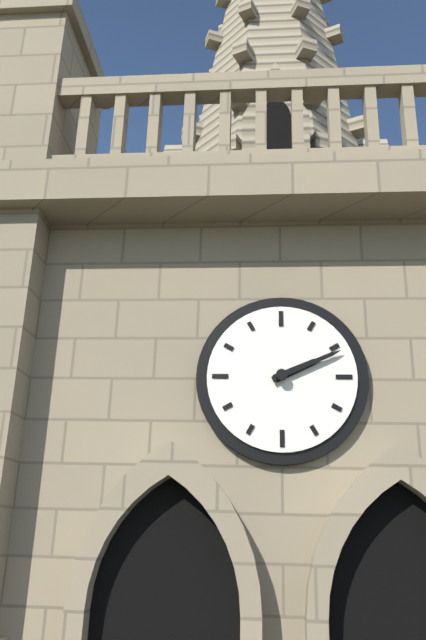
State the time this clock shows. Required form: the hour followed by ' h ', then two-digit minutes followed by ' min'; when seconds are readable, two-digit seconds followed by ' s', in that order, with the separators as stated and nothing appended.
2 h 11 min
